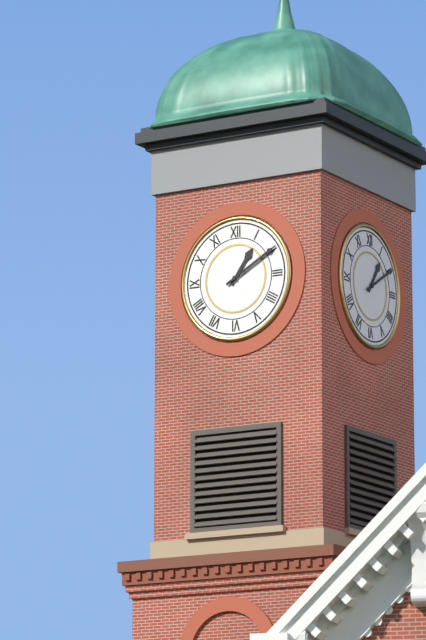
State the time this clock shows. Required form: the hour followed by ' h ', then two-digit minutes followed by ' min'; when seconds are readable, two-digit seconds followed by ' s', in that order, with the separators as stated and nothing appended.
1 h 10 min
